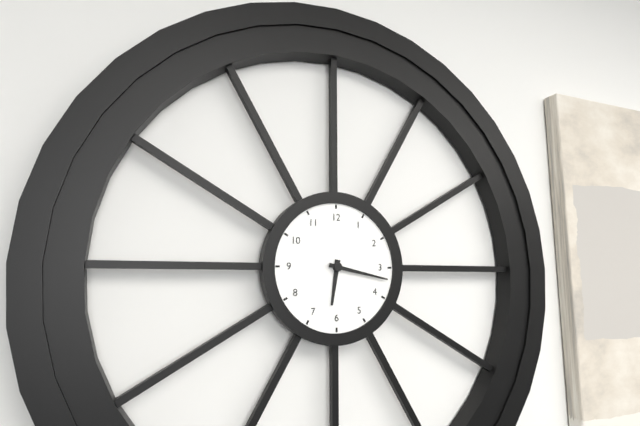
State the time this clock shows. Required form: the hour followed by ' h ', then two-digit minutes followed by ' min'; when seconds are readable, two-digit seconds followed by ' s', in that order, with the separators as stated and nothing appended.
6 h 17 min
